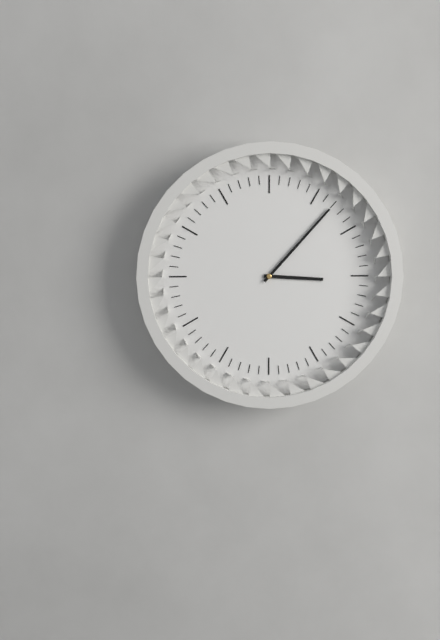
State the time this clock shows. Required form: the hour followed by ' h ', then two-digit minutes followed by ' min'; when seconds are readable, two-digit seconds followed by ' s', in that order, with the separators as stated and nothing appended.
3 h 07 min
